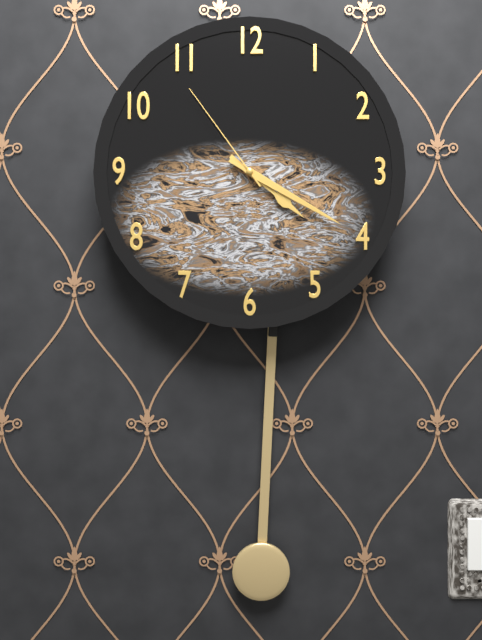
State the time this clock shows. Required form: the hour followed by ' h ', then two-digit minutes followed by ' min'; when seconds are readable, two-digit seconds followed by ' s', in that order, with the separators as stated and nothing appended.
4 h 20 min 54 s
